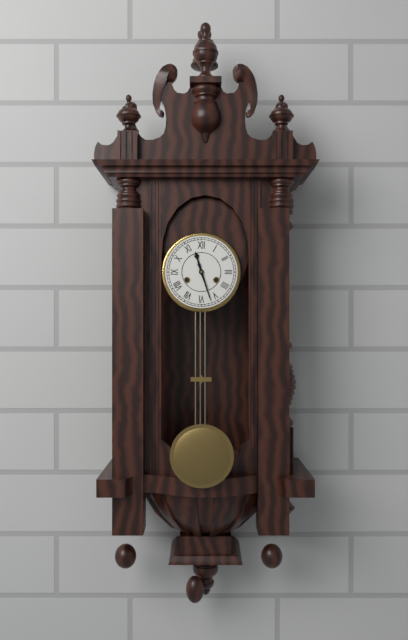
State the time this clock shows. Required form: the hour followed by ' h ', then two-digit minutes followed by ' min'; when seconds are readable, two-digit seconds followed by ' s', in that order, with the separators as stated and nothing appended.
11 h 27 min
